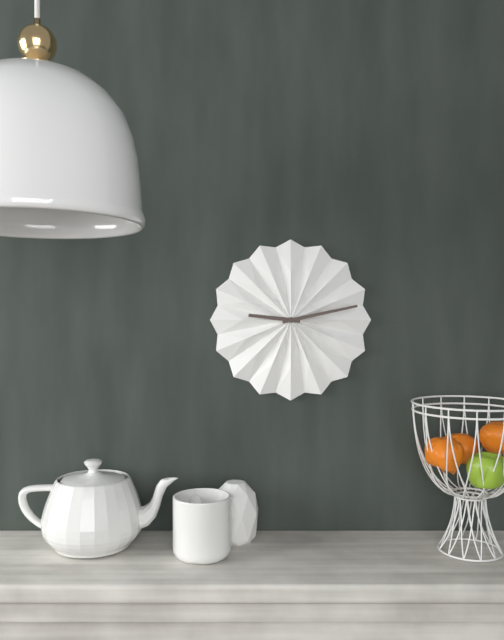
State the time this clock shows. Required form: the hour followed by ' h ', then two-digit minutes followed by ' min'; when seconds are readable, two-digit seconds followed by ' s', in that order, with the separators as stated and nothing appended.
9 h 13 min
